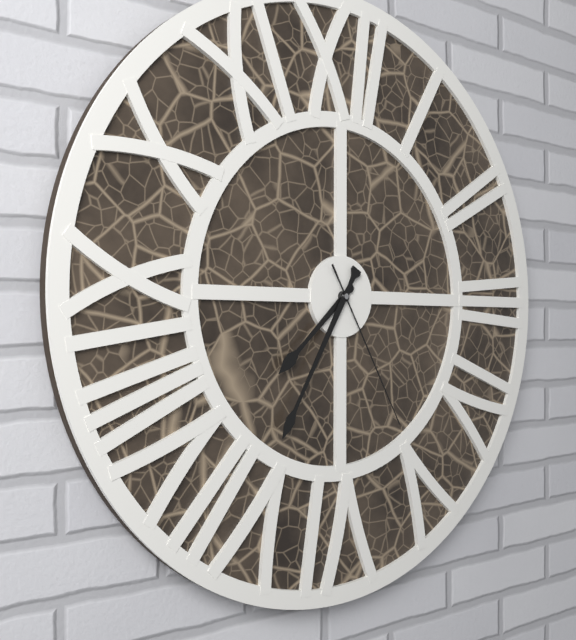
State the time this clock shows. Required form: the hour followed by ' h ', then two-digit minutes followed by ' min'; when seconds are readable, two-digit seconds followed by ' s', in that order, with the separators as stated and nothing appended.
7 h 35 min 25 s
